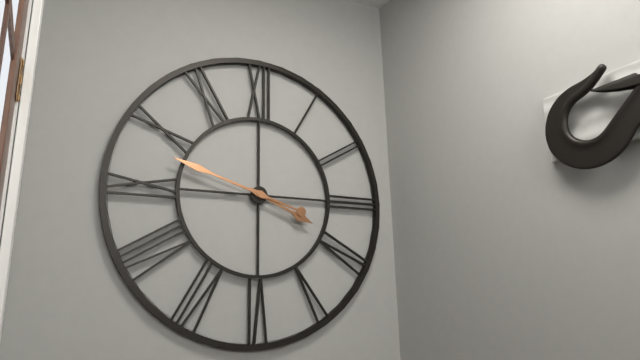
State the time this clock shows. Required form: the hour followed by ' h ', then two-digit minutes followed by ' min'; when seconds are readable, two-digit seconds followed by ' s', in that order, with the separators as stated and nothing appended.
3 h 48 min
